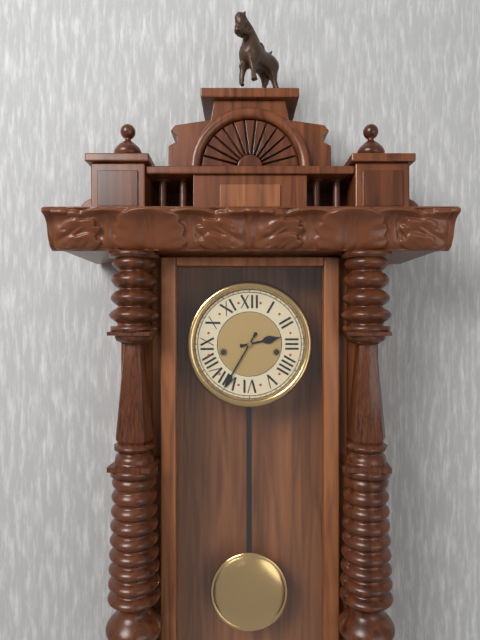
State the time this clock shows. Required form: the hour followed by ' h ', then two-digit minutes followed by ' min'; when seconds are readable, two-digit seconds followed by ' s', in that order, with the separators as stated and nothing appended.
2 h 35 min
